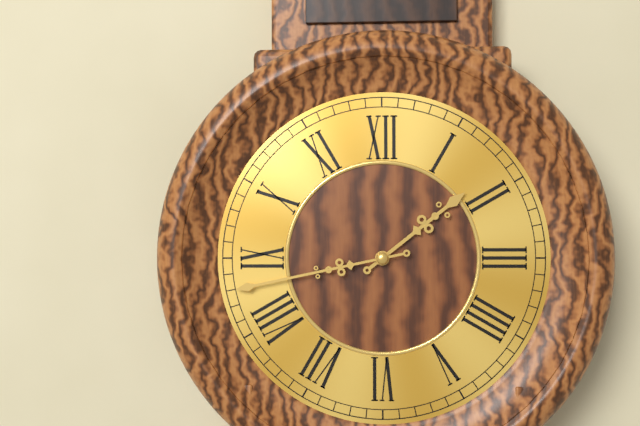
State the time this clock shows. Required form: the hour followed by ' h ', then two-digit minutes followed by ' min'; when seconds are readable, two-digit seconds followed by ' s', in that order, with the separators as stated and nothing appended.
1 h 43 min
